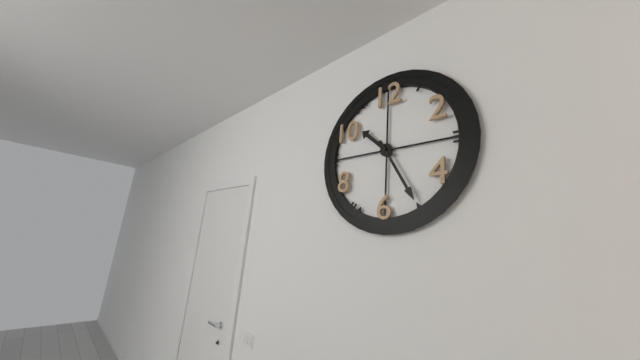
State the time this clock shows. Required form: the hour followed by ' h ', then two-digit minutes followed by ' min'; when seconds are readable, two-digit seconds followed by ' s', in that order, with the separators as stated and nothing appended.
10 h 25 min
